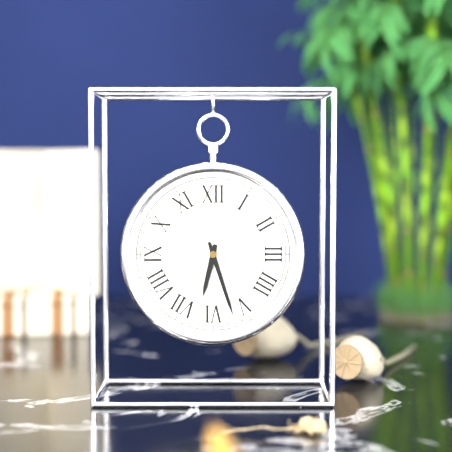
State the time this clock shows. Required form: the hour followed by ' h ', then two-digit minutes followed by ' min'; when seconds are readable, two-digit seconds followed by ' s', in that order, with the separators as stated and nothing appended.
6 h 27 min
